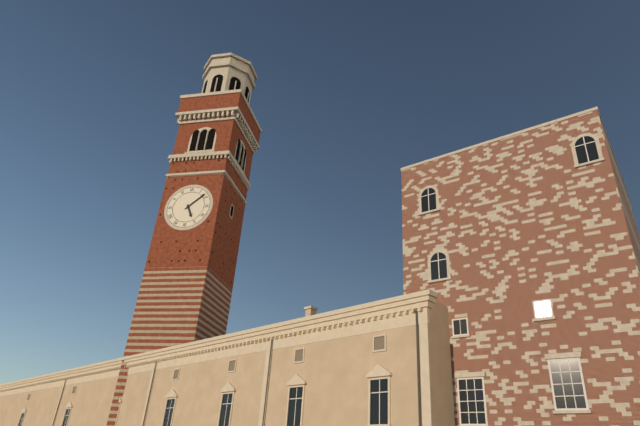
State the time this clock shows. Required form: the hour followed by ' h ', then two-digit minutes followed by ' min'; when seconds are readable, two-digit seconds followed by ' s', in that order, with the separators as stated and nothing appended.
5 h 08 min
